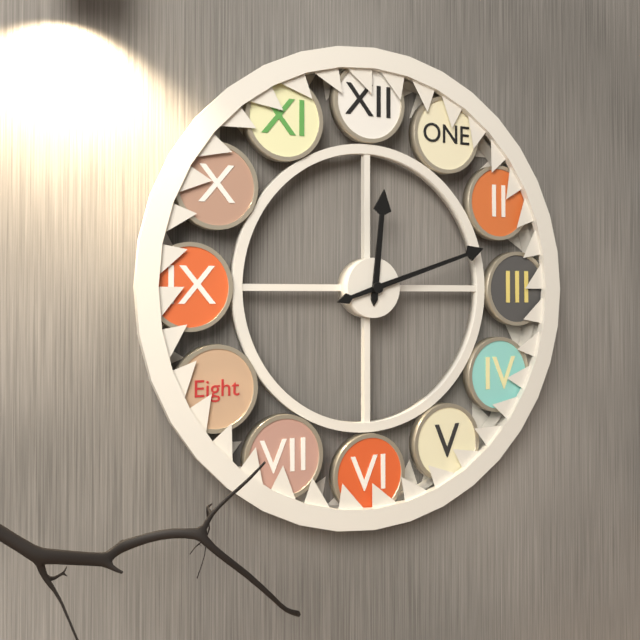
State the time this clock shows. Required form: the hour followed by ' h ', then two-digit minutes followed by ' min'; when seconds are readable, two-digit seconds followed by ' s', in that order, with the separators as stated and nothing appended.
12 h 12 min
